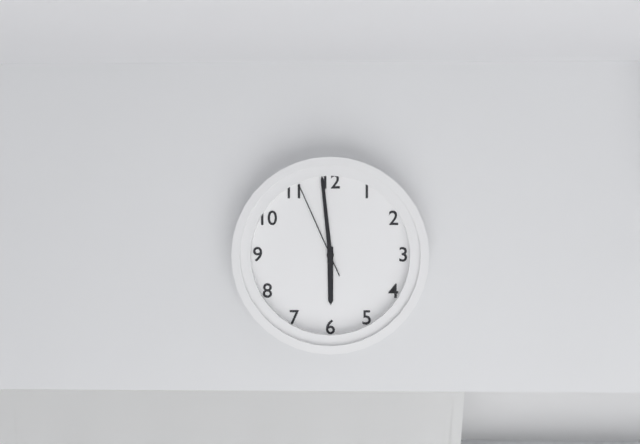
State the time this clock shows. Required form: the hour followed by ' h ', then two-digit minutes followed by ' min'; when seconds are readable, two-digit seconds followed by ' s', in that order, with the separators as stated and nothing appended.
5 h 59 min 56 s
